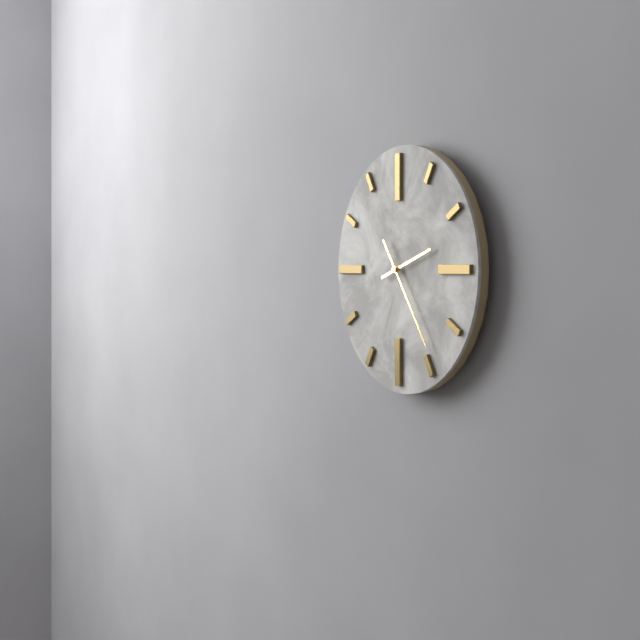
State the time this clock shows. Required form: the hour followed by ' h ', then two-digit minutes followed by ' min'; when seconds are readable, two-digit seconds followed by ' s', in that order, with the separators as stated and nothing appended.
2 h 24 min
